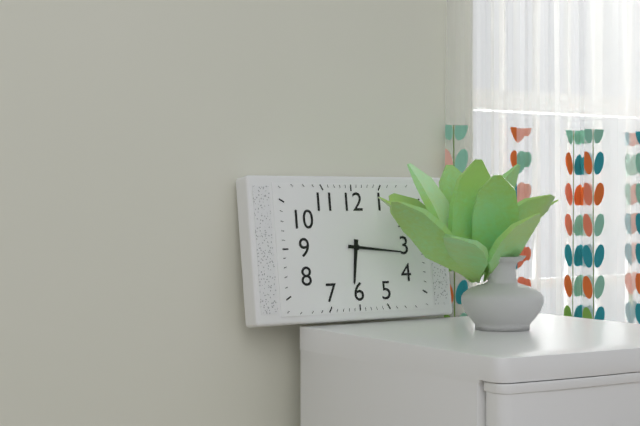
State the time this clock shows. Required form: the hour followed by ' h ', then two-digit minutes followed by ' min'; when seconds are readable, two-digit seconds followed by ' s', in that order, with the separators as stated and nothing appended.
6 h 16 min
